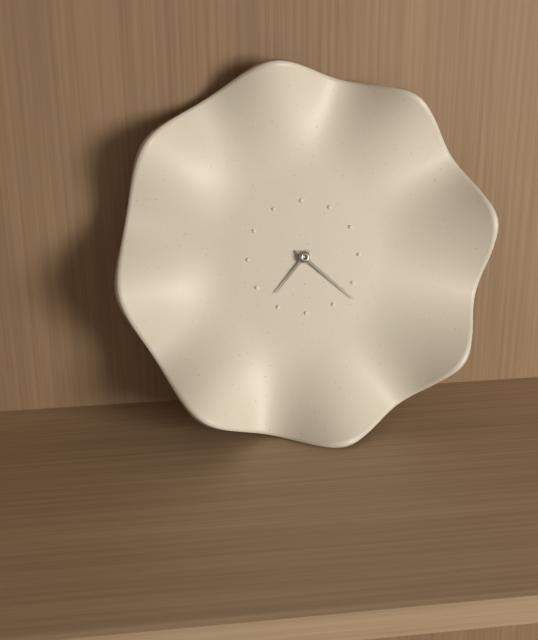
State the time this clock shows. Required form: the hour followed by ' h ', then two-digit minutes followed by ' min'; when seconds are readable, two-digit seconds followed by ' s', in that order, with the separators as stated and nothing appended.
7 h 22 min
